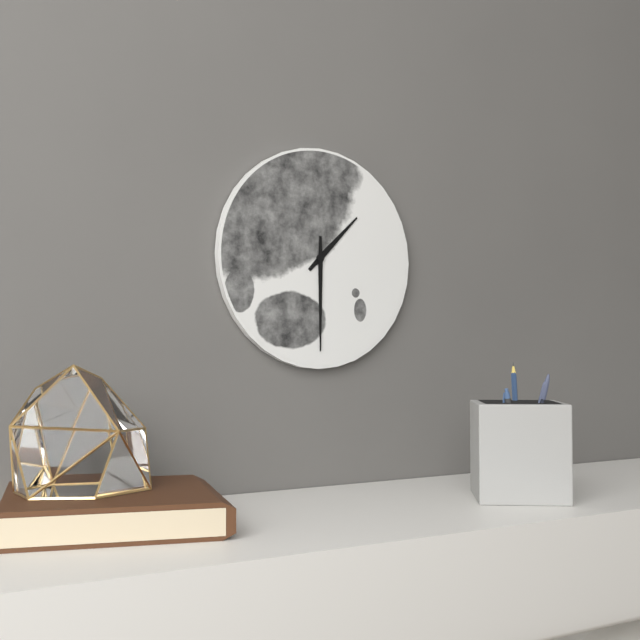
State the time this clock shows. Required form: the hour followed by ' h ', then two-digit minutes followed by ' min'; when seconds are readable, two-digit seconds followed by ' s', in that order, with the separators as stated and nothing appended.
1 h 30 min
